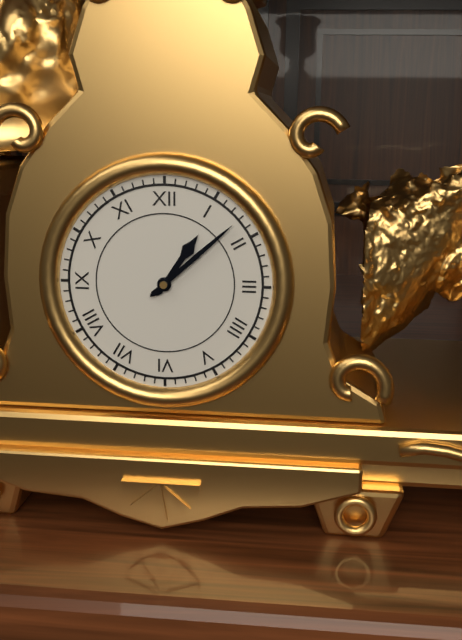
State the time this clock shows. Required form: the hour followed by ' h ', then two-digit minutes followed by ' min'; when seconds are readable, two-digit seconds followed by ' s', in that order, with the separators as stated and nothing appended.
1 h 08 min
